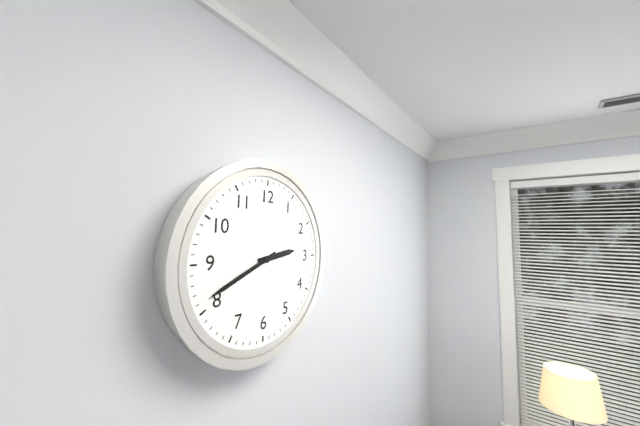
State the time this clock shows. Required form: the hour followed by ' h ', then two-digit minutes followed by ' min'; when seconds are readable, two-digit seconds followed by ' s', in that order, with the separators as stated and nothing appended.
2 h 41 min
